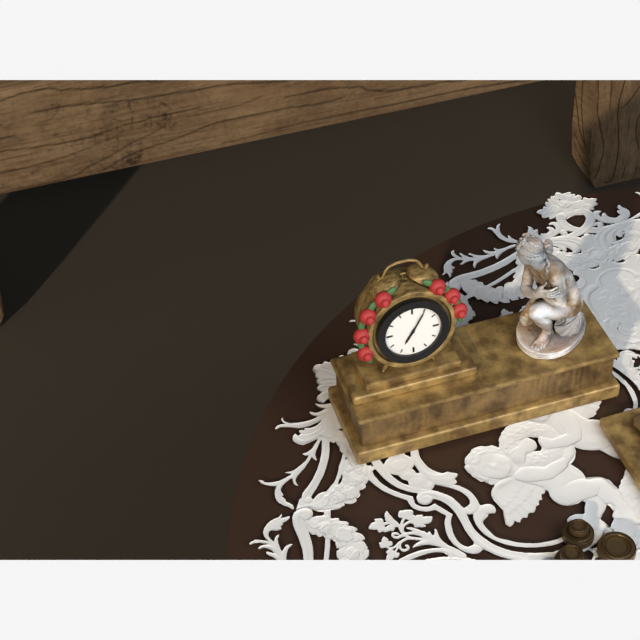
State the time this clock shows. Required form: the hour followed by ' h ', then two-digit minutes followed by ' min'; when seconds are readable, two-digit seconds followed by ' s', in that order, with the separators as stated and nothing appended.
7 h 05 min
